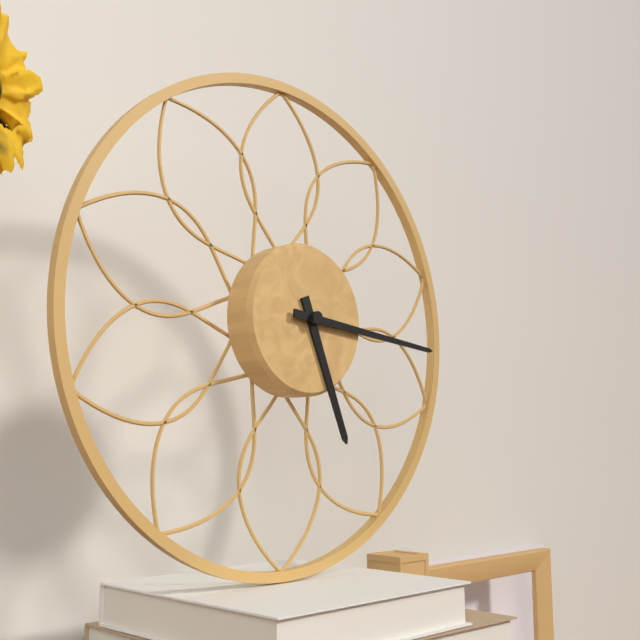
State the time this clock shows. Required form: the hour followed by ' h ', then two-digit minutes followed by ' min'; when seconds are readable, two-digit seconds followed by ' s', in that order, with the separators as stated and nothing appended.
5 h 16 min
